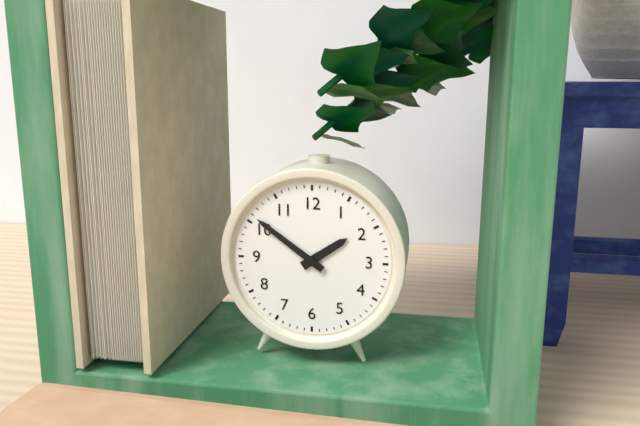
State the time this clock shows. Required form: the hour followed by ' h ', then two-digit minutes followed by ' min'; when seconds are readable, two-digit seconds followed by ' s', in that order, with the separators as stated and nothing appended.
1 h 51 min
